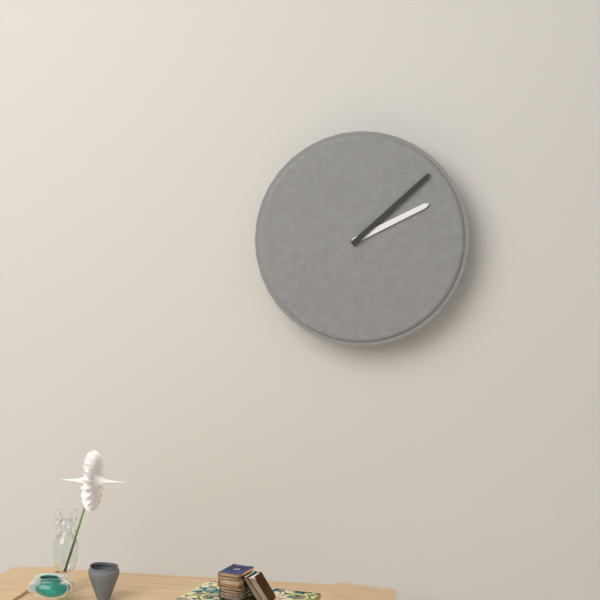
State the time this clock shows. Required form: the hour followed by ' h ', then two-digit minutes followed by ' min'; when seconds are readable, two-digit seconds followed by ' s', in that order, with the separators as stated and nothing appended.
2 h 08 min
